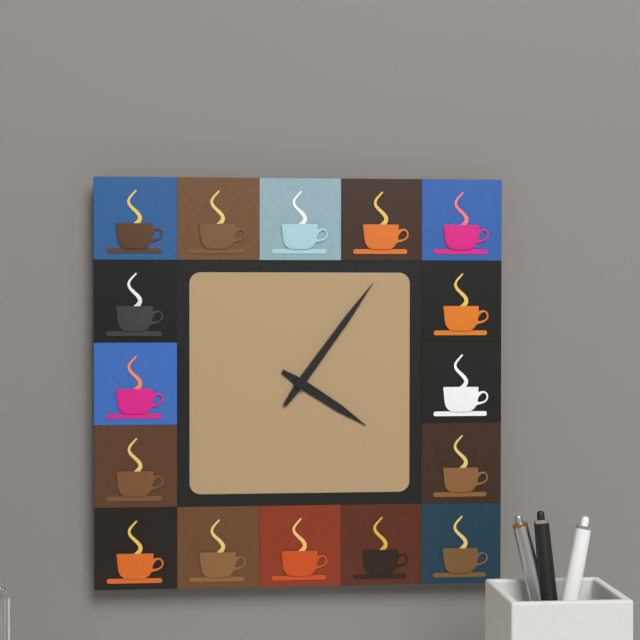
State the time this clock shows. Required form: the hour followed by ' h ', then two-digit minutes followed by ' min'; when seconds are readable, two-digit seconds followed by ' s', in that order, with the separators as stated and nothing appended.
4 h 06 min
